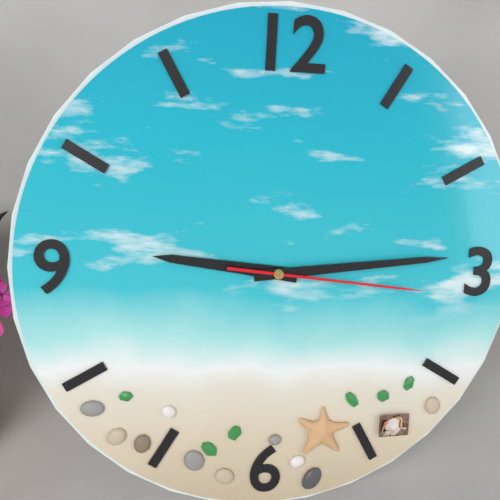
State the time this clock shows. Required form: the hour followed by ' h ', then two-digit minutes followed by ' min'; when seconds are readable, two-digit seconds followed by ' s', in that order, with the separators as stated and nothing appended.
9 h 14 min 16 s
